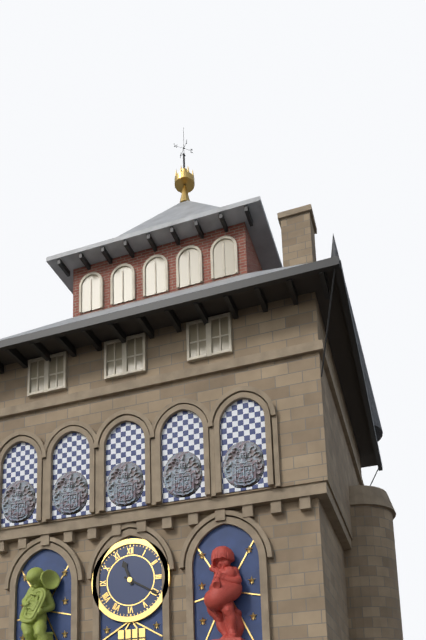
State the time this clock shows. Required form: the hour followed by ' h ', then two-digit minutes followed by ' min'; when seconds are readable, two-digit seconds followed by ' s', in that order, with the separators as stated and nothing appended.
11 h 20 min
